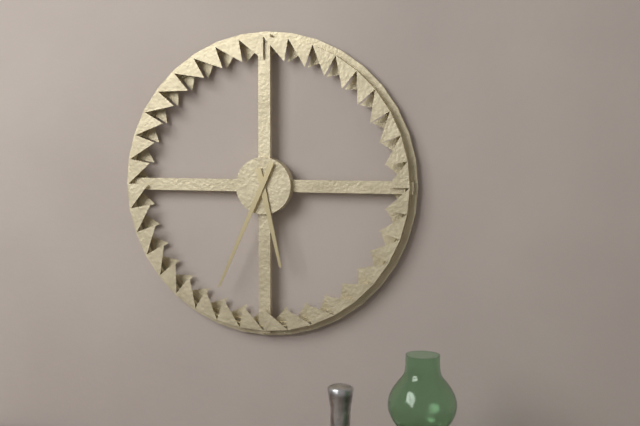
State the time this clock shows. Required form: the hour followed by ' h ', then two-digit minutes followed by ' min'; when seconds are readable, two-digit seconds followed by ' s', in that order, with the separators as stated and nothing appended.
5 h 34 min
